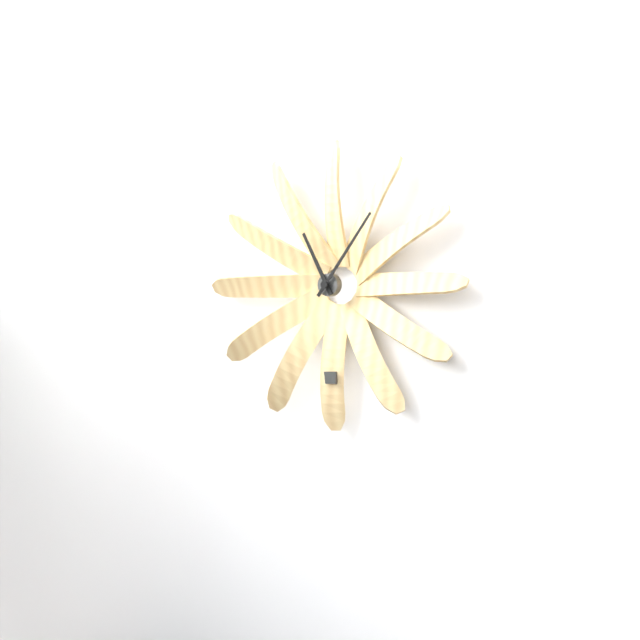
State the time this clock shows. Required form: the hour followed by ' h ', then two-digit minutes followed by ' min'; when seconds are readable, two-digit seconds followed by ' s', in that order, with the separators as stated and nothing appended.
11 h 06 min
